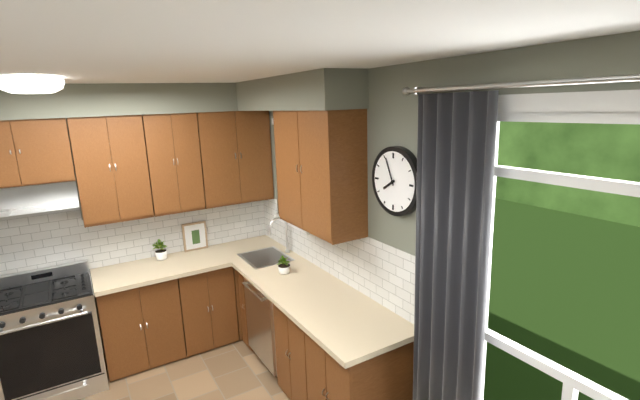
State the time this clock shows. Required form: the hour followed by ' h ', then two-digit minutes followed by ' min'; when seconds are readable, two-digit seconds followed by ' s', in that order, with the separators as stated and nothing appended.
7 h 56 min
